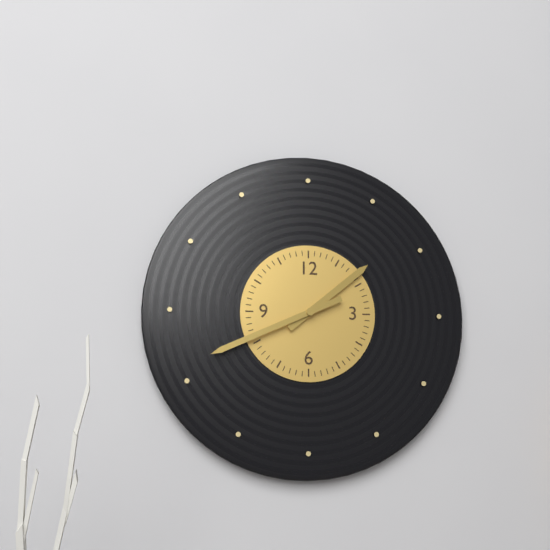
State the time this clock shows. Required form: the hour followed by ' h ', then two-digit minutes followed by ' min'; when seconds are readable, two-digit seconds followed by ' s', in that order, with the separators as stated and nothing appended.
1 h 41 min
